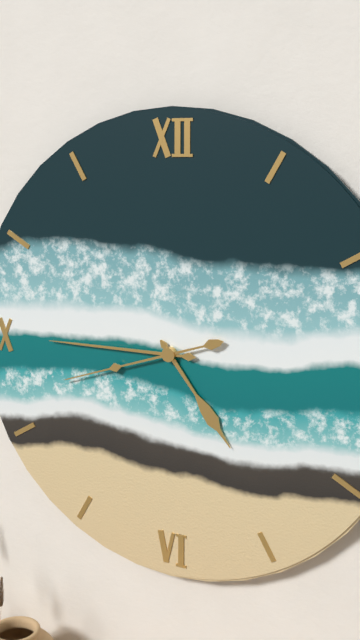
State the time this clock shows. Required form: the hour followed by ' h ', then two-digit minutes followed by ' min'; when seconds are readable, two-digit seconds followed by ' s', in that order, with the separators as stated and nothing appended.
4 h 45 min 42 s
